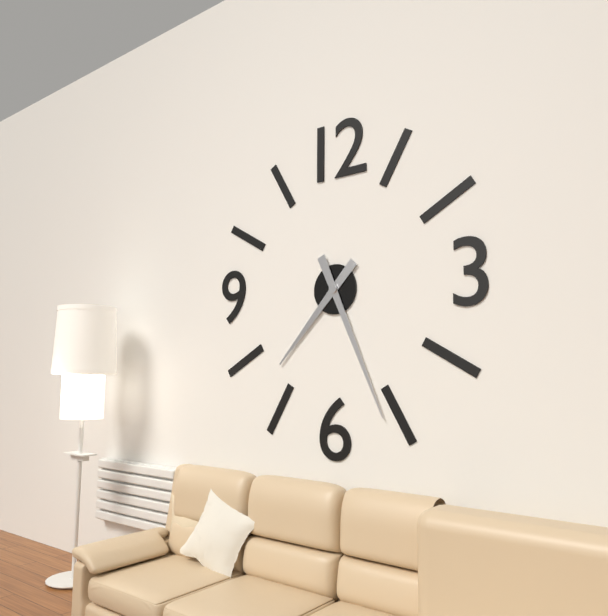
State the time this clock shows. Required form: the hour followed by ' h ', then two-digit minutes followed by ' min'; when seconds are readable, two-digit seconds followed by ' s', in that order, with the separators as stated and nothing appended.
7 h 26 min
